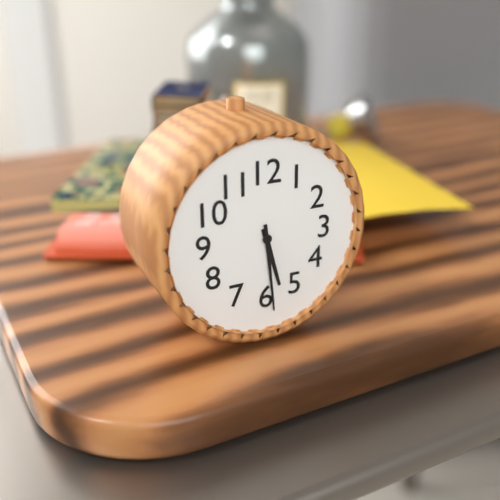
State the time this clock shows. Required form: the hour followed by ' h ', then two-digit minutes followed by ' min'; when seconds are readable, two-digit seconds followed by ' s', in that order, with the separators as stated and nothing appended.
5 h 29 min
